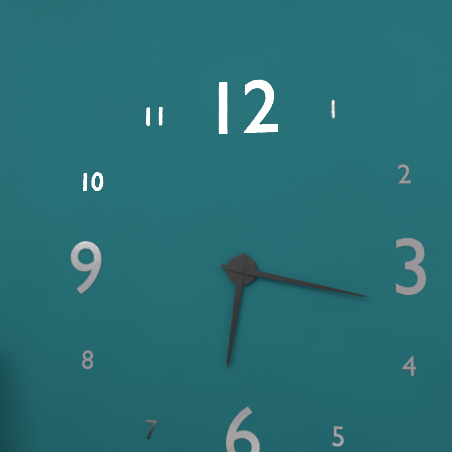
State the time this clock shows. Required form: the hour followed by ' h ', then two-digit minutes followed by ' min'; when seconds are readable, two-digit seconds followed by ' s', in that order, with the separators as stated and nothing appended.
6 h 17 min
